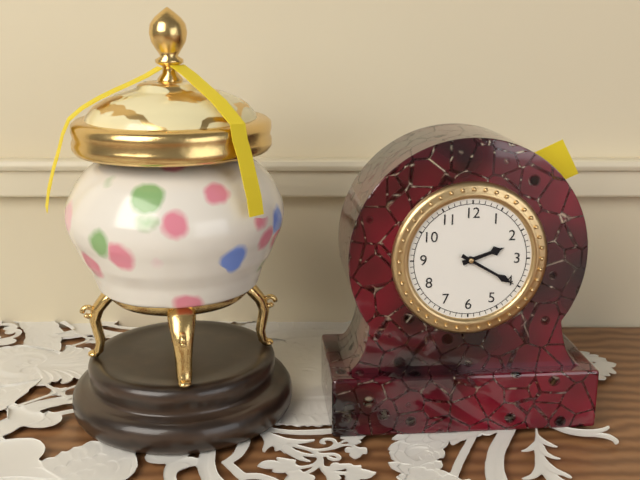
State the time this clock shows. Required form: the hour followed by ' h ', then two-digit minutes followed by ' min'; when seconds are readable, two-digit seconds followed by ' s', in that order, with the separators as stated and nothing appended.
2 h 20 min
